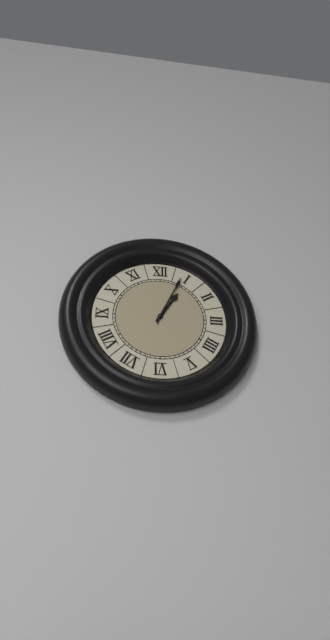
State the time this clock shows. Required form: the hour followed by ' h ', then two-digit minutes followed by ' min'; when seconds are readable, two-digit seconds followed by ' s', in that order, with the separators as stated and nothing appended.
1 h 04 min
